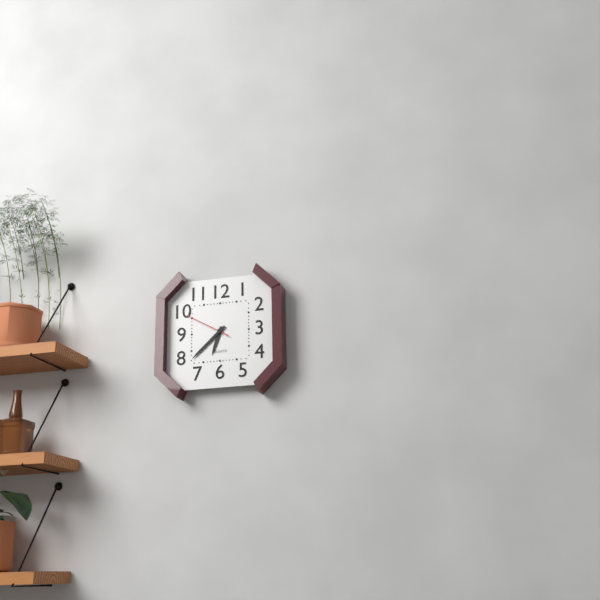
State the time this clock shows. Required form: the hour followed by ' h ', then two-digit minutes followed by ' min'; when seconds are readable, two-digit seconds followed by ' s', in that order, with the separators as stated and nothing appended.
6 h 38 min
